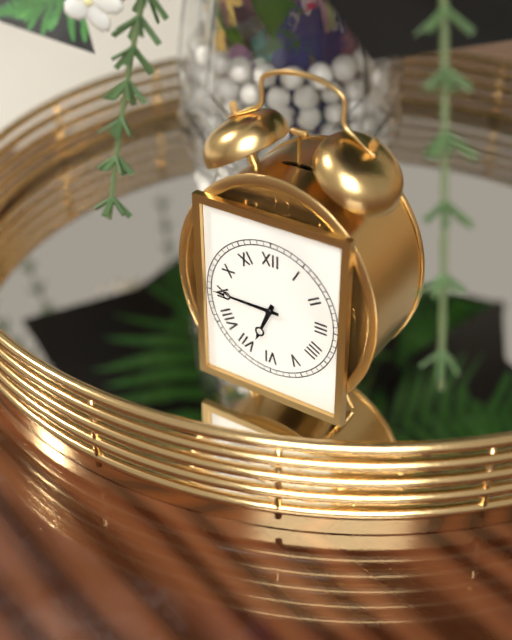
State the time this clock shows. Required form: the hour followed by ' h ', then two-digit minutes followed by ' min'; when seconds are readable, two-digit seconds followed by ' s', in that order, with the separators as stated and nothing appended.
6 h 45 min
